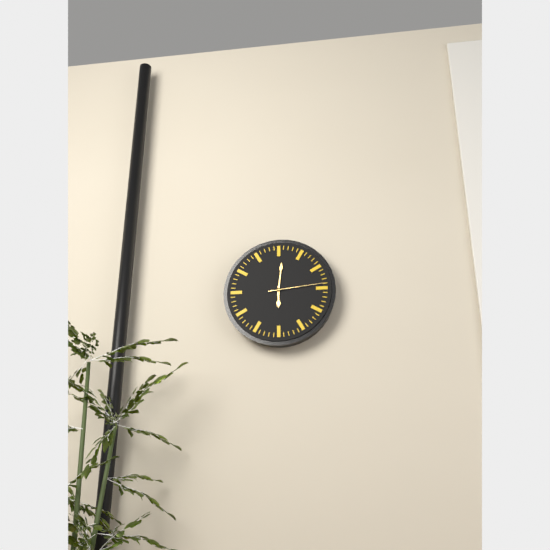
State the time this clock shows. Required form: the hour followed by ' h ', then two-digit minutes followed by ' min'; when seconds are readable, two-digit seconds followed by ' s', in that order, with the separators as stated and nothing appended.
6 h 01 min 14 s
